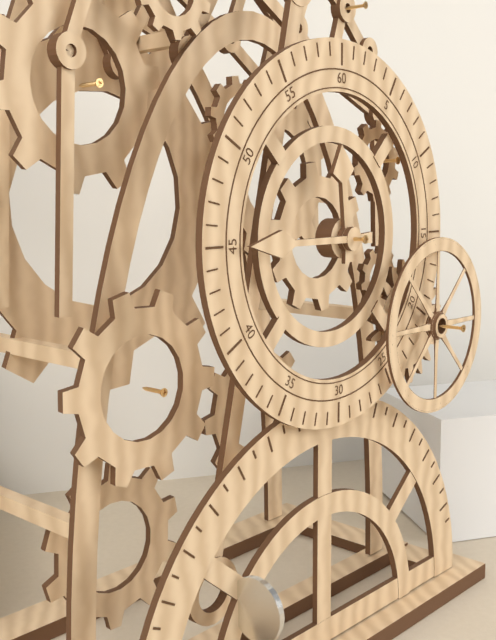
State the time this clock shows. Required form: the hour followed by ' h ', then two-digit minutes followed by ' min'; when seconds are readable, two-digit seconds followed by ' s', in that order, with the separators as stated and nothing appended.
11 h 45 min
